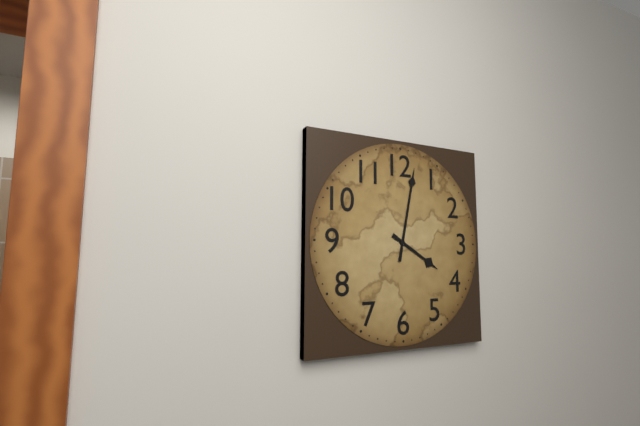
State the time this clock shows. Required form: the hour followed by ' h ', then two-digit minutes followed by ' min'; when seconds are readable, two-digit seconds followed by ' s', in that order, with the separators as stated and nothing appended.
4 h 02 min
